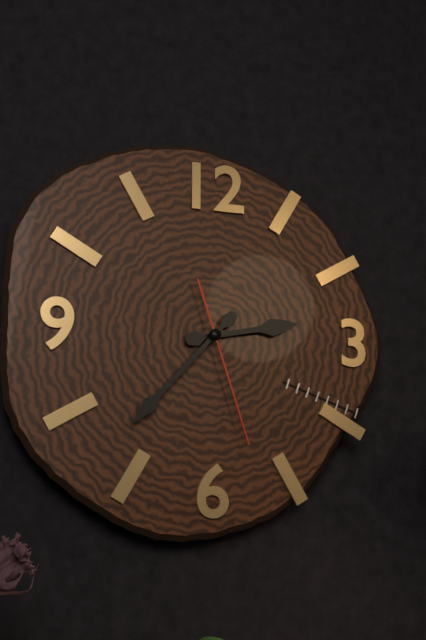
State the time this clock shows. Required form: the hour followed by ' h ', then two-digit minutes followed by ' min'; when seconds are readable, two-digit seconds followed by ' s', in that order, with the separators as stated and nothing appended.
2 h 37 min 27 s
